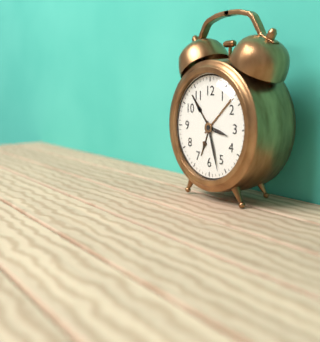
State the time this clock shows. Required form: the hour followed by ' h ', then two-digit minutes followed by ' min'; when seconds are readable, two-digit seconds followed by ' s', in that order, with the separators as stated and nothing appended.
3 h 27 min
